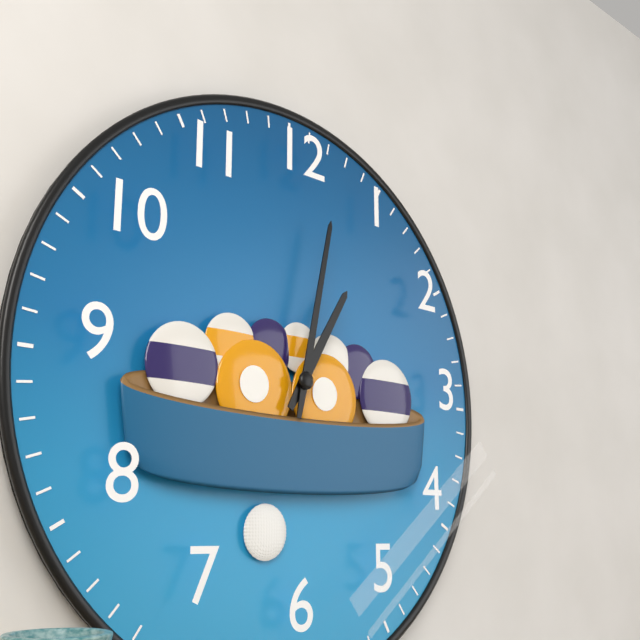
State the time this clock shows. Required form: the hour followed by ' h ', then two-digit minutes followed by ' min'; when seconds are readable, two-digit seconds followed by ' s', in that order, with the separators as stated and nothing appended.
1 h 02 min
